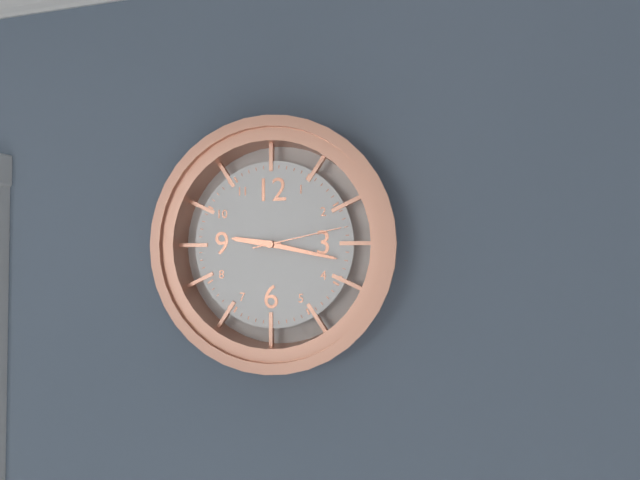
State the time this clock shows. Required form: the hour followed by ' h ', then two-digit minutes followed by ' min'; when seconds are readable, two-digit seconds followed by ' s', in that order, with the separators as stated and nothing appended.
9 h 17 min 13 s
